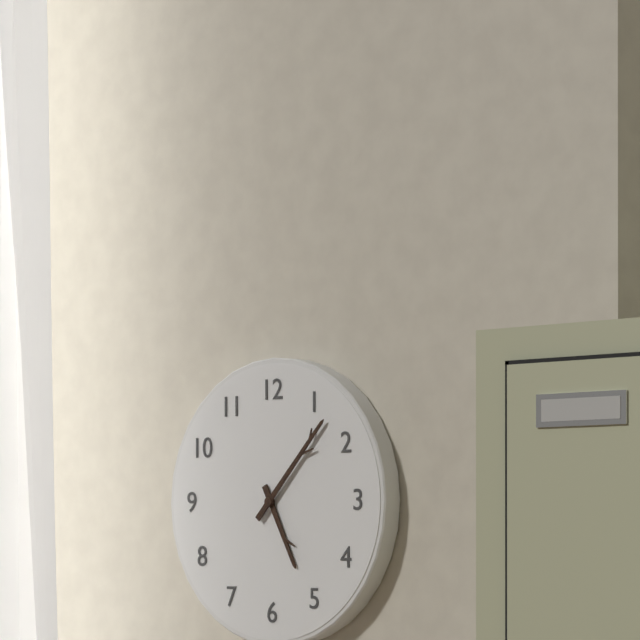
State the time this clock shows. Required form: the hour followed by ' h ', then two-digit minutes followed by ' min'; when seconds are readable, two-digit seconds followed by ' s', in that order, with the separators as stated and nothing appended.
5 h 07 min
